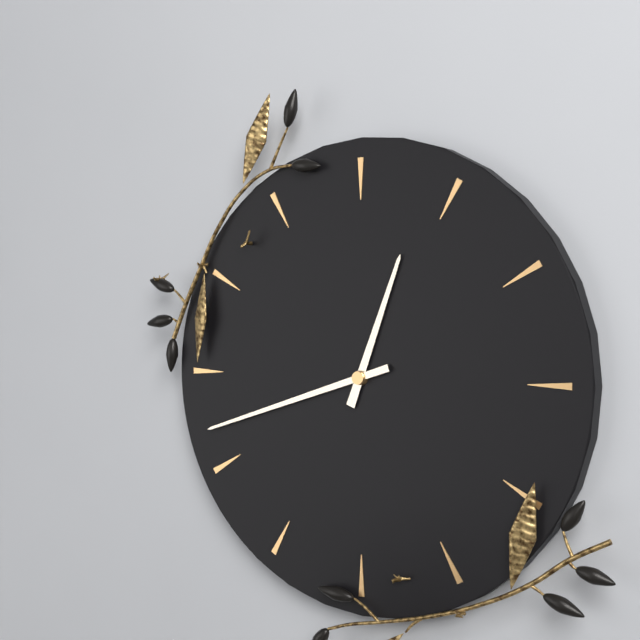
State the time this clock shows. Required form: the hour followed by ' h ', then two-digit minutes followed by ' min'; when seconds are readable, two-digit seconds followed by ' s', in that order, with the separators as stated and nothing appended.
12 h 42 min
